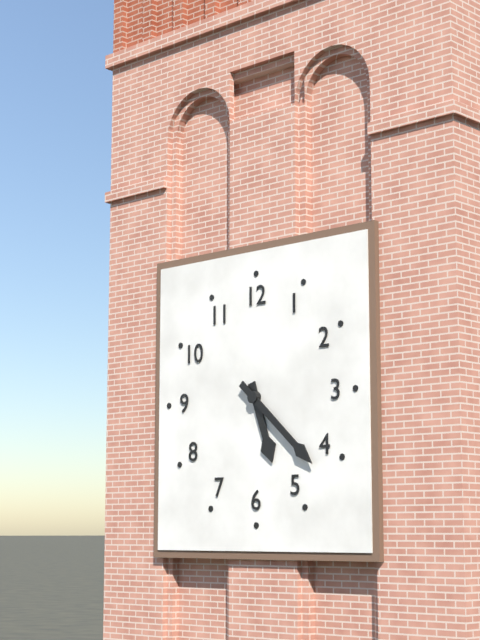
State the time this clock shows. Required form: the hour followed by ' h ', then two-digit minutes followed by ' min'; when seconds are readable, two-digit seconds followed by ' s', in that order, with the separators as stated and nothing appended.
5 h 22 min
